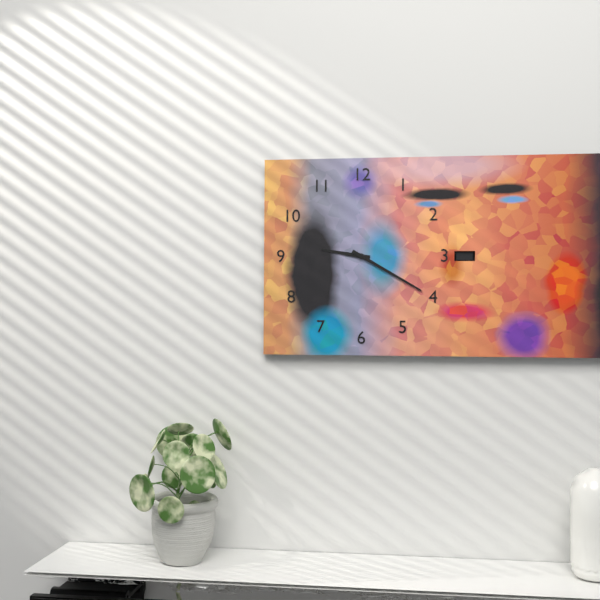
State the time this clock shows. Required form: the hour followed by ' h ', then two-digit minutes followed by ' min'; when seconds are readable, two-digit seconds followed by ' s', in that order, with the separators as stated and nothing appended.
9 h 20 min
